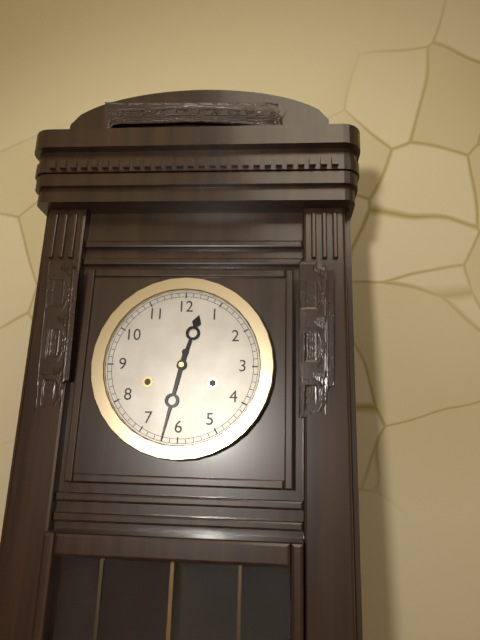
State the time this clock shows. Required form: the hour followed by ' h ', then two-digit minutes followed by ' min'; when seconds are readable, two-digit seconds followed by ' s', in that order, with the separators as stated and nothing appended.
12 h 32 min
